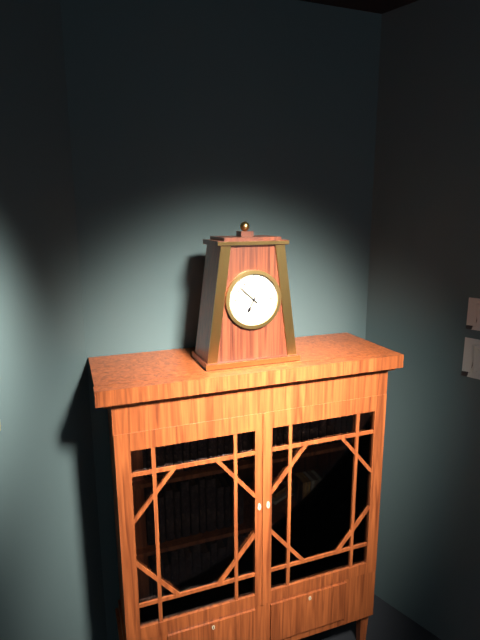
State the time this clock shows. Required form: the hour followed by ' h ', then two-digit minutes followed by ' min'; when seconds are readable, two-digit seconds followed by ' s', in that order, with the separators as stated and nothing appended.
6 h 52 min
